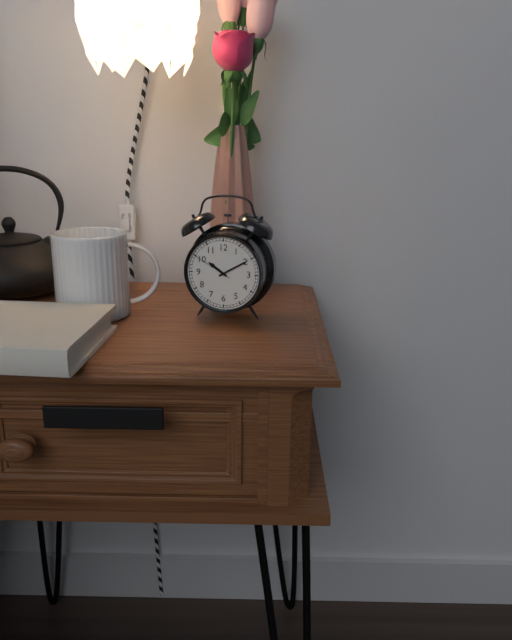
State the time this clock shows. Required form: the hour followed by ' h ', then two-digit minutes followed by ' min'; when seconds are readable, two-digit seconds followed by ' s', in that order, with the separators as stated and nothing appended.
10 h 10 min
